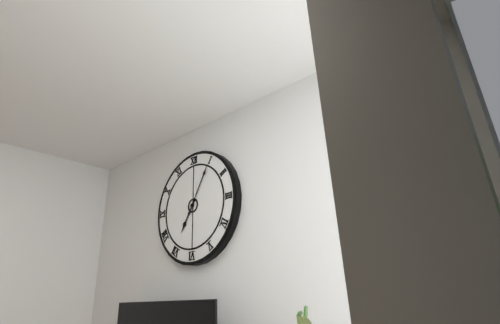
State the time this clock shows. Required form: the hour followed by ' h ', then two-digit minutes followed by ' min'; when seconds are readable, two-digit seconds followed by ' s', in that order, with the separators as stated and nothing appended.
7 h 05 min
